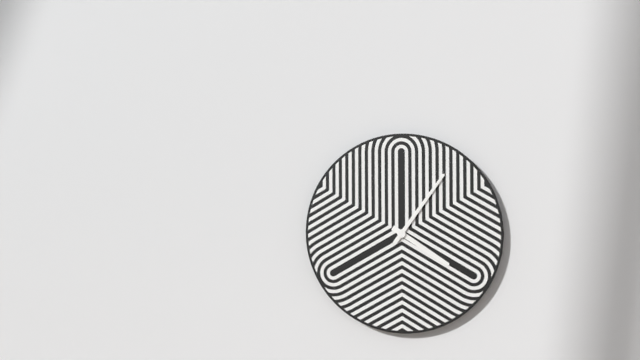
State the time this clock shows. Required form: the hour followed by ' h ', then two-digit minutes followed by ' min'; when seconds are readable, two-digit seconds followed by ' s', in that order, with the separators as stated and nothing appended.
4 h 06 min
